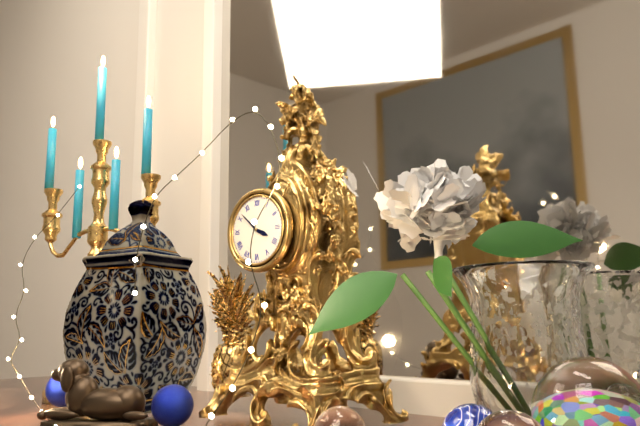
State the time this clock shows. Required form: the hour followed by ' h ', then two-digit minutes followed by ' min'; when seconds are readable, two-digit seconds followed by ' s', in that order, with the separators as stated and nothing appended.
3 h 52 min
